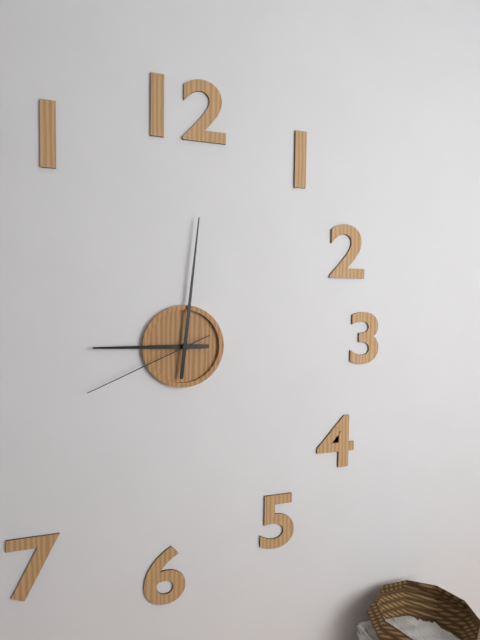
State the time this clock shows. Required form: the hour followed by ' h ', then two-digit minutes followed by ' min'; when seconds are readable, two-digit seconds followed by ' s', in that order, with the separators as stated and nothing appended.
9 h 01 min 41 s
